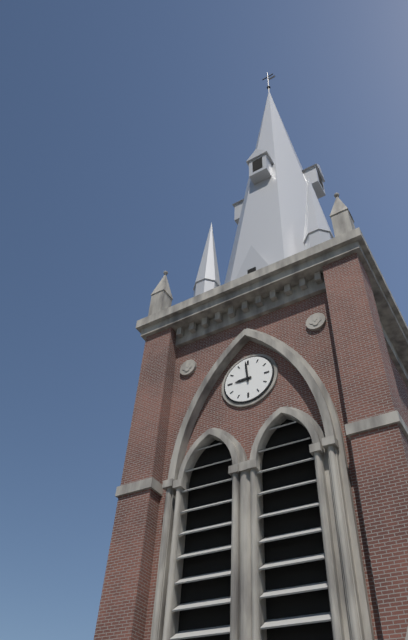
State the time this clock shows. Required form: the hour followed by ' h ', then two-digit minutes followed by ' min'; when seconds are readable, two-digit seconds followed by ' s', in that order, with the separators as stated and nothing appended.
8 h 59 min
